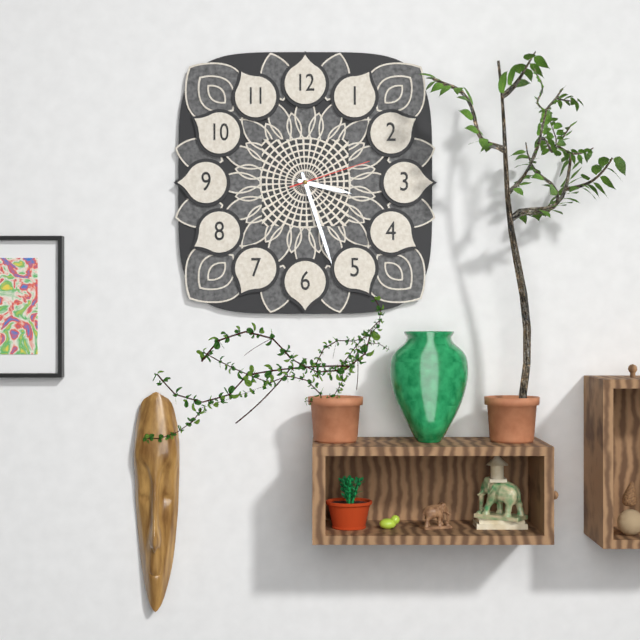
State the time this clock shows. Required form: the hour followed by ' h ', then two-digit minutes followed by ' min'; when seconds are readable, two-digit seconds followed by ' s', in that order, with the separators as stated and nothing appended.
3 h 27 min 12 s
